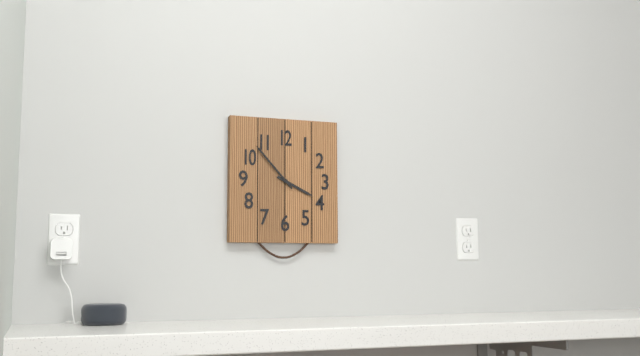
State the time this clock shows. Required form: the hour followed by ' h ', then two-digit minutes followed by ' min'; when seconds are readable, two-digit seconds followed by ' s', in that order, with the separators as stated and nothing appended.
3 h 53 min
